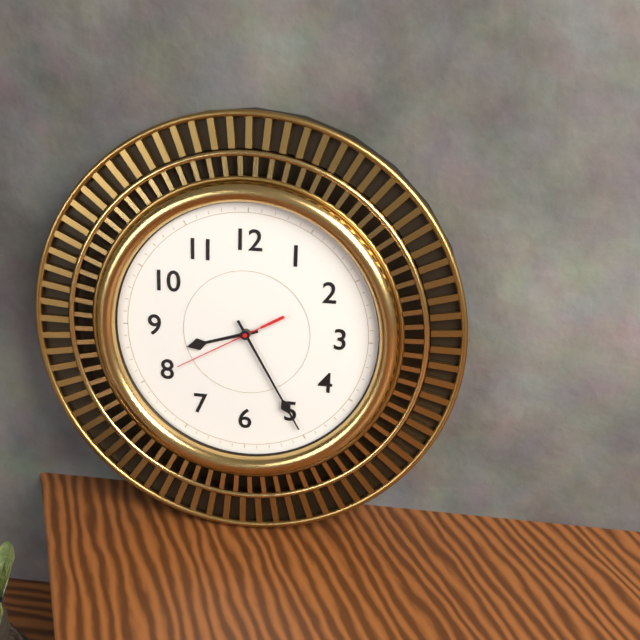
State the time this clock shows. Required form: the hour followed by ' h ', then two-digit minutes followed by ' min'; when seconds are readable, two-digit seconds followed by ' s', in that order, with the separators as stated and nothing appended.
8 h 25 min 40 s
